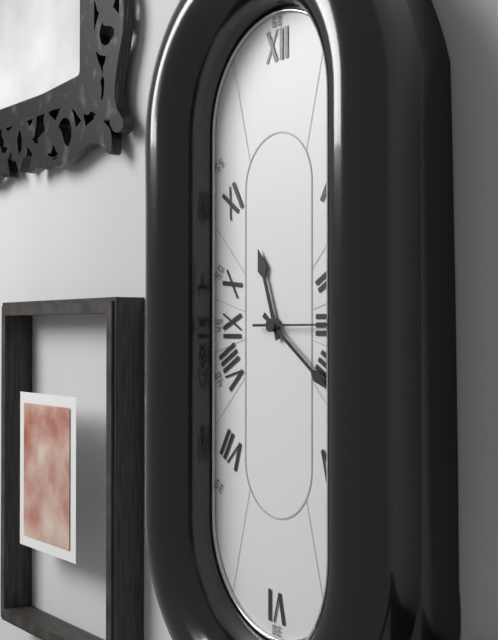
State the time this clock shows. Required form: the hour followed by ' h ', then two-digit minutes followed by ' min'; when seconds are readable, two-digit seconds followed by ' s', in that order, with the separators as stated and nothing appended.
11 h 21 min
